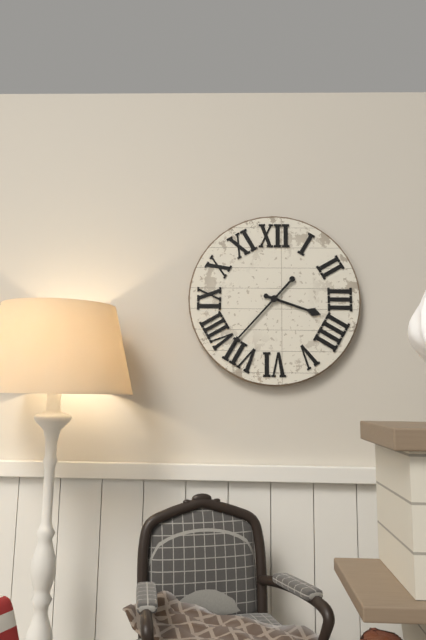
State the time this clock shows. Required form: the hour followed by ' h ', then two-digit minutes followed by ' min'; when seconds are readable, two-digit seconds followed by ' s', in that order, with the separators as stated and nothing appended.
3 h 37 min
